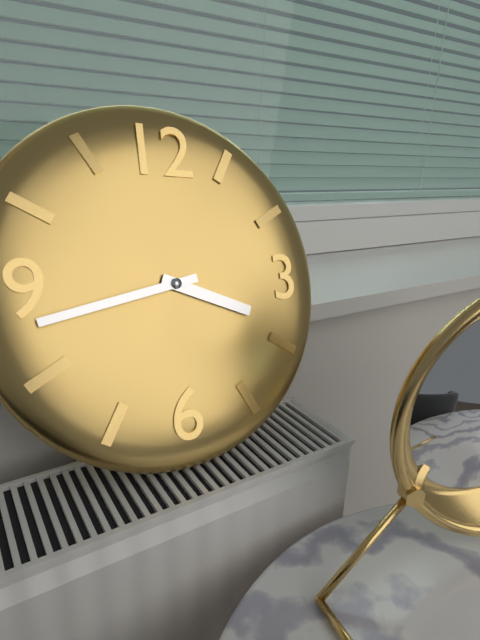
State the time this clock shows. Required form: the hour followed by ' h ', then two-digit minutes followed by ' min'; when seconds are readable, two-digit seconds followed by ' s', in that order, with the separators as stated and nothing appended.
3 h 43 min
